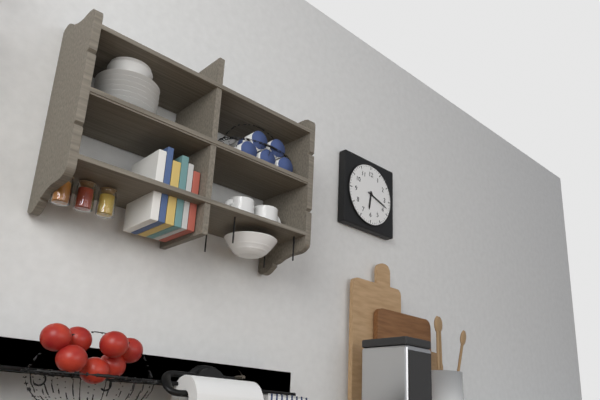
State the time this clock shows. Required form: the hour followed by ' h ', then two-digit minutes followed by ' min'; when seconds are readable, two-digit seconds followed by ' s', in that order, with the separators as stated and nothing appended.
6 h 18 min
